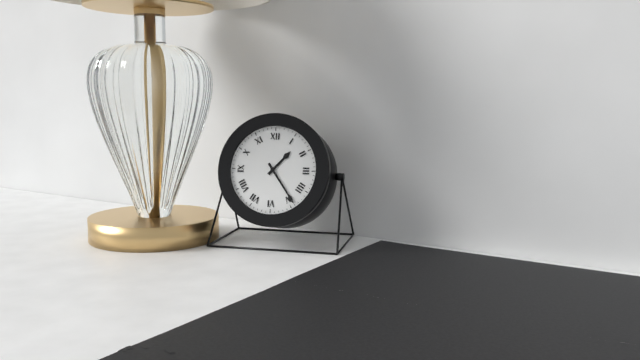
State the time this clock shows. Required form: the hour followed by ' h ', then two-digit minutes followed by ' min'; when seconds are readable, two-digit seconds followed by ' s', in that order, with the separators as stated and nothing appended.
1 h 24 min
